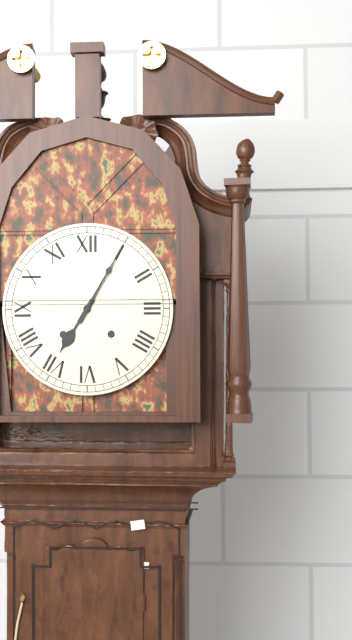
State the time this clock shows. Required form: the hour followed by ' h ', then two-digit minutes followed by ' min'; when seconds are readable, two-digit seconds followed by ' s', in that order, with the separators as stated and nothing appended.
7 h 05 min
